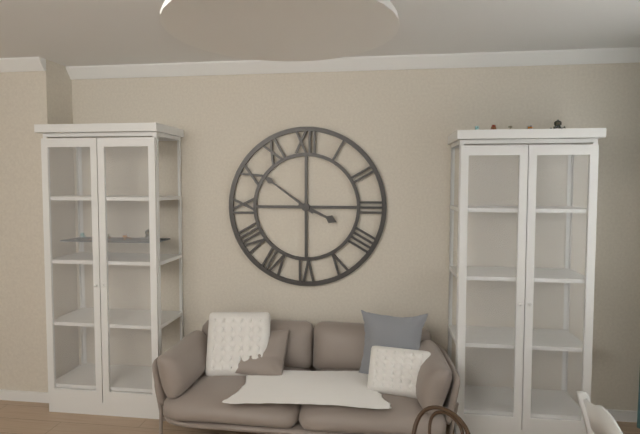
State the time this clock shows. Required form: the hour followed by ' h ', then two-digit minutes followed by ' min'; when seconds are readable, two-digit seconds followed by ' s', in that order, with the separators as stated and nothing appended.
3 h 51 min
